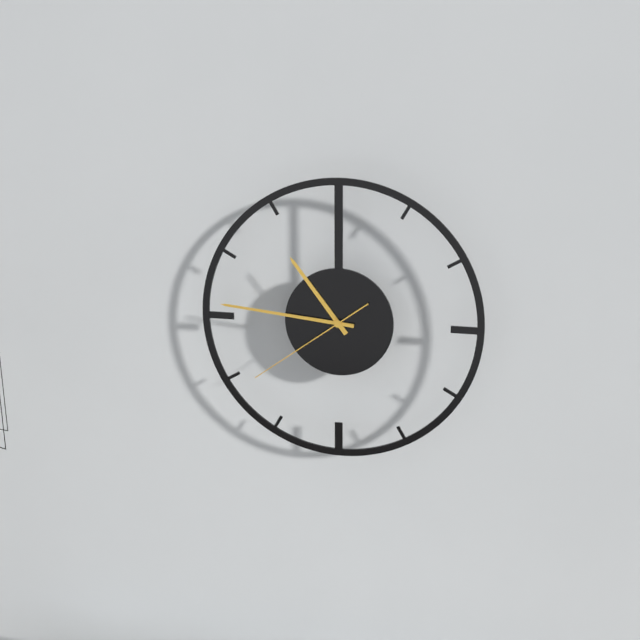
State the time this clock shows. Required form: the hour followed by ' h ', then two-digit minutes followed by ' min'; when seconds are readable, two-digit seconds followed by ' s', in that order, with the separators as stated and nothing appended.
10 h 46 min 39 s
